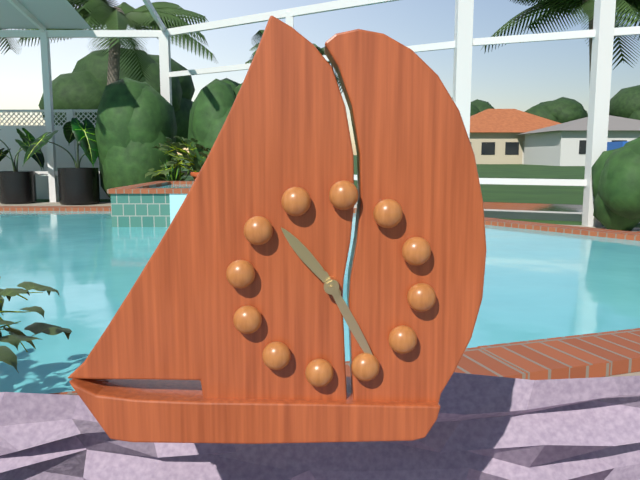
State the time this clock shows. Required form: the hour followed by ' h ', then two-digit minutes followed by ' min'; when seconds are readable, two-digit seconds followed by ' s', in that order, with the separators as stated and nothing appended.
10 h 24 min
